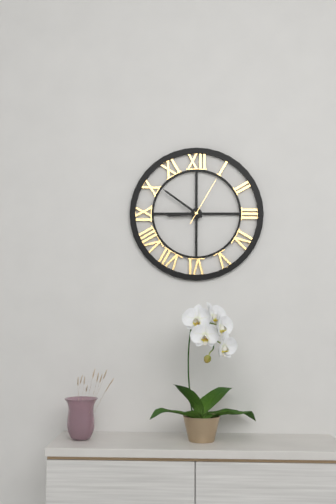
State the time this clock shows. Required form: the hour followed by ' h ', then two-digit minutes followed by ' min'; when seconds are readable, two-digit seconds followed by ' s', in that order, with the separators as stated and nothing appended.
8 h 51 min 05 s
